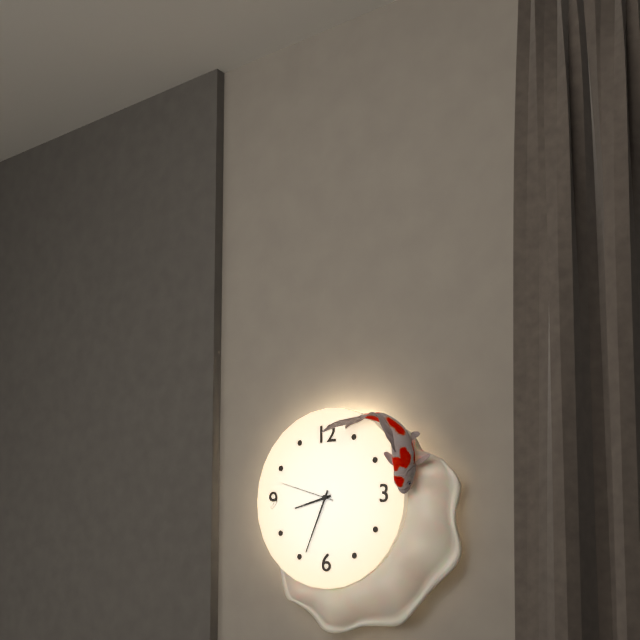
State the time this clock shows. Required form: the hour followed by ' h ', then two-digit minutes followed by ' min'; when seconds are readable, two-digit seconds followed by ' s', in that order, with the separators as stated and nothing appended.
8 h 34 min 48 s
